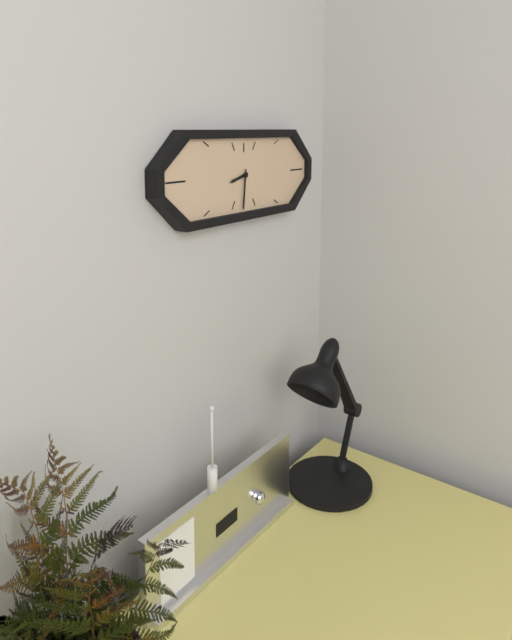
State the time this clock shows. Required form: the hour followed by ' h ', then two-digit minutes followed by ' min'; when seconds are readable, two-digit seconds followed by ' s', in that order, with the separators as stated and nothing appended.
8 h 31 min
